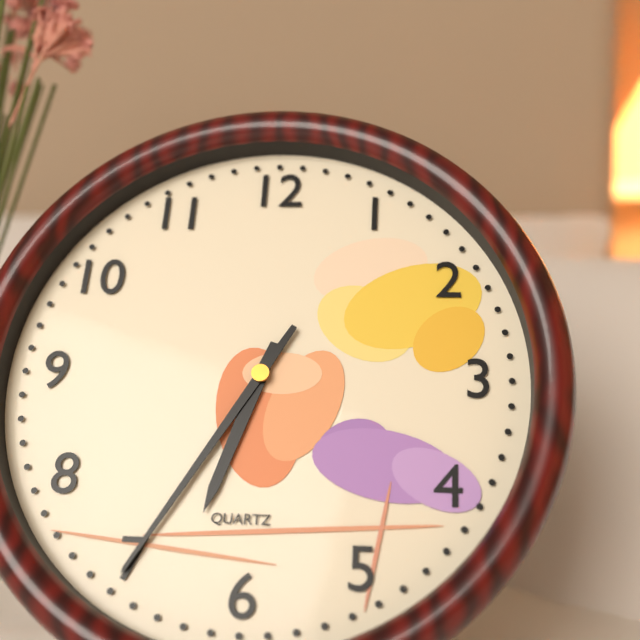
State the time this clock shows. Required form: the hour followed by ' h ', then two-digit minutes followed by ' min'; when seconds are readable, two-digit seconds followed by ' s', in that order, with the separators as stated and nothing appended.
6 h 35 min
